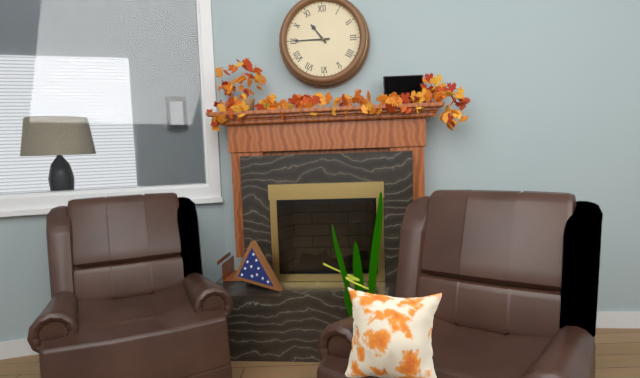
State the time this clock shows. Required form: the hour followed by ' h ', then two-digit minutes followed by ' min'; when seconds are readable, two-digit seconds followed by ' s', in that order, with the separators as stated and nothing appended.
10 h 45 min
